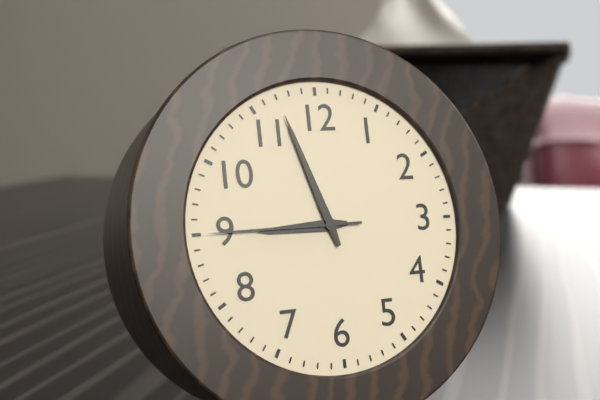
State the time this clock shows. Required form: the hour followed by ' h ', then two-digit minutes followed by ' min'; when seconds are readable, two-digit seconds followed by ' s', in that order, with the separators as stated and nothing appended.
8 h 57 min 45 s
